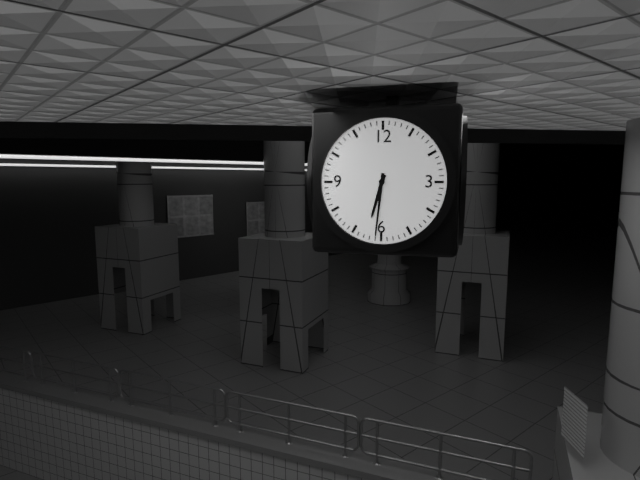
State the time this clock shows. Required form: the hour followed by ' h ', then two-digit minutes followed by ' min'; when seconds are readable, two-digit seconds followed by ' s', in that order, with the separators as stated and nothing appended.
6 h 31 min
